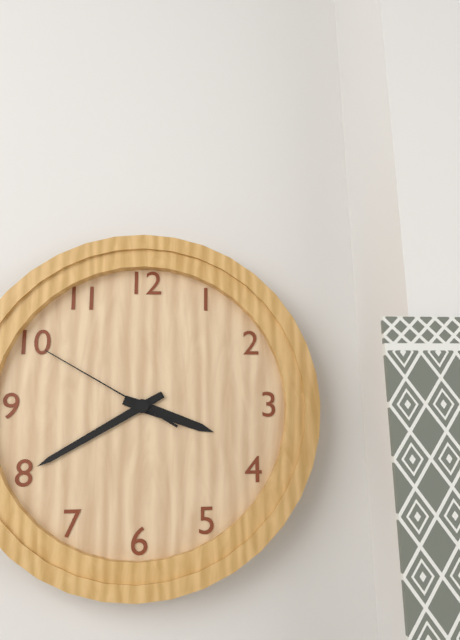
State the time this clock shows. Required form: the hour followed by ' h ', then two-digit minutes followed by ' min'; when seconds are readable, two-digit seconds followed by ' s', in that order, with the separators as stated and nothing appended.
3 h 40 min 50 s
